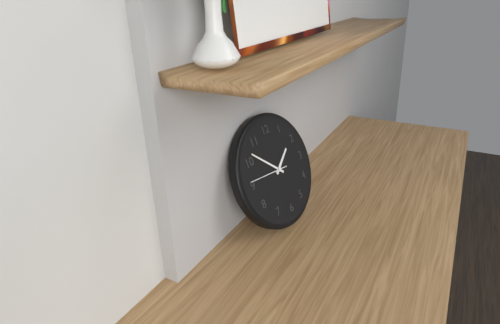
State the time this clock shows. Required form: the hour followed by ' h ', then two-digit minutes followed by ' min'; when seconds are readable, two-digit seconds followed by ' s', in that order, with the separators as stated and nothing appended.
1 h 52 min
